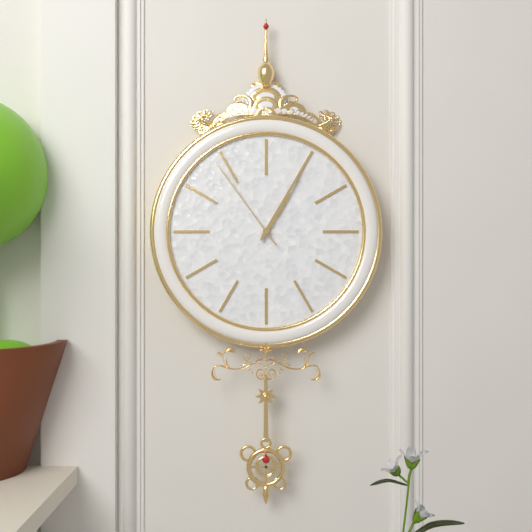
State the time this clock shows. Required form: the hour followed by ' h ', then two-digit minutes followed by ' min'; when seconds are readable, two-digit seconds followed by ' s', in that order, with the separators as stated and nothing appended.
1 h 05 min 54 s
